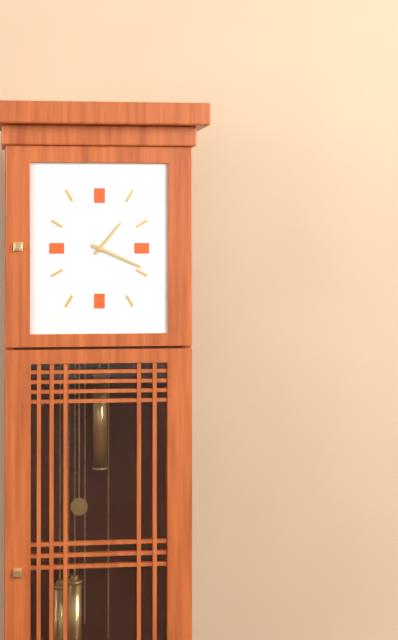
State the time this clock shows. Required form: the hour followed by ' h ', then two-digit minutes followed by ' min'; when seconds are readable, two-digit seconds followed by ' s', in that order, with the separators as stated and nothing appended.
1 h 19 min
